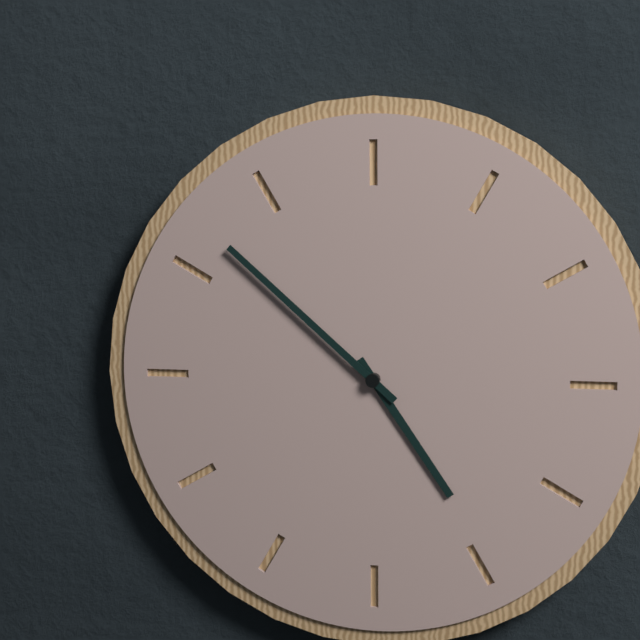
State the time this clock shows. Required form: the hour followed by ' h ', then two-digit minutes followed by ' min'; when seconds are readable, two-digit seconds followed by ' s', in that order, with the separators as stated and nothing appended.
4 h 52 min
